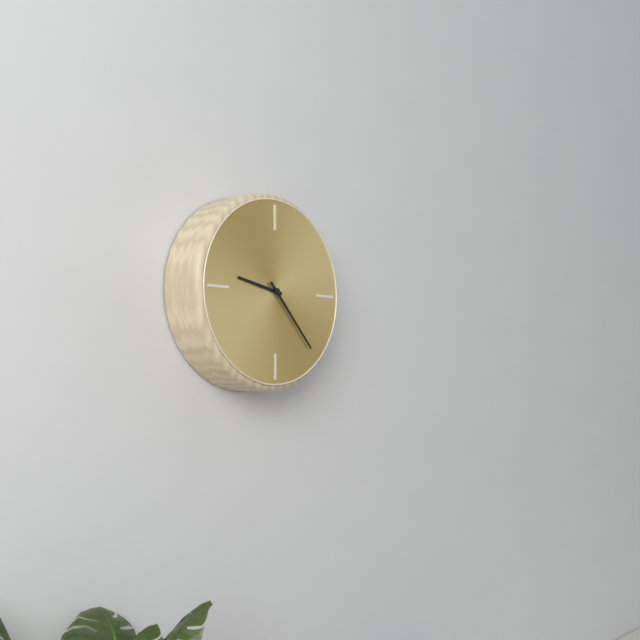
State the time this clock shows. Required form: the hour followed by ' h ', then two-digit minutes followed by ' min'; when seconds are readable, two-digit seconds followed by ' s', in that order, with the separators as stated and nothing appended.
9 h 23 min
